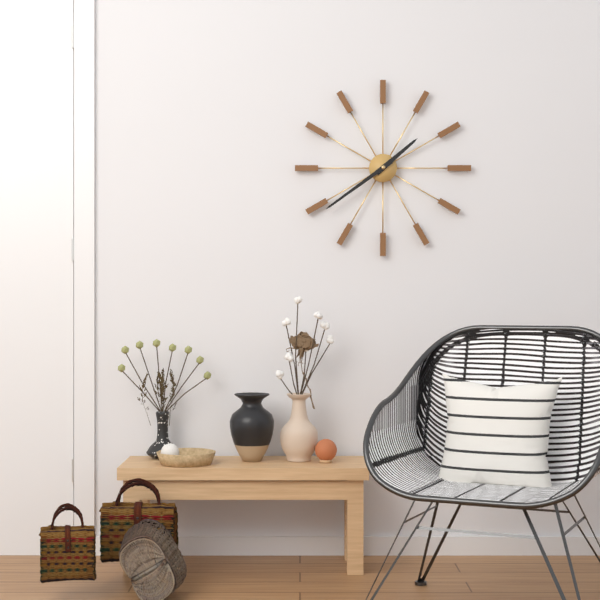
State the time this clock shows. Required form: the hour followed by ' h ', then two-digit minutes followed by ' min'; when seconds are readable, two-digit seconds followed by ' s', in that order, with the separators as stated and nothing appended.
1 h 39 min
